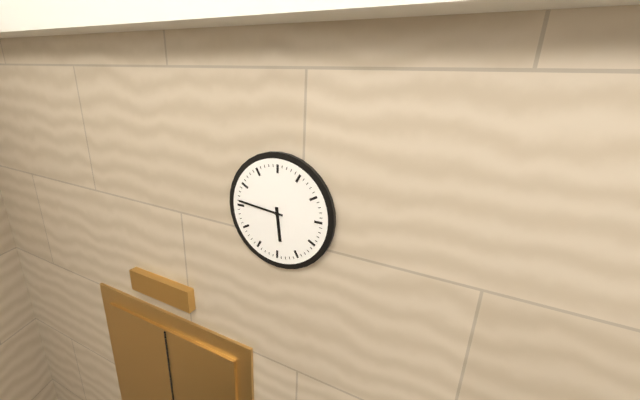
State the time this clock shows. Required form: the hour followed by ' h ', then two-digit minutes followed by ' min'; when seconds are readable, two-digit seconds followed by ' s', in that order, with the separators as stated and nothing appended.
5 h 46 min
